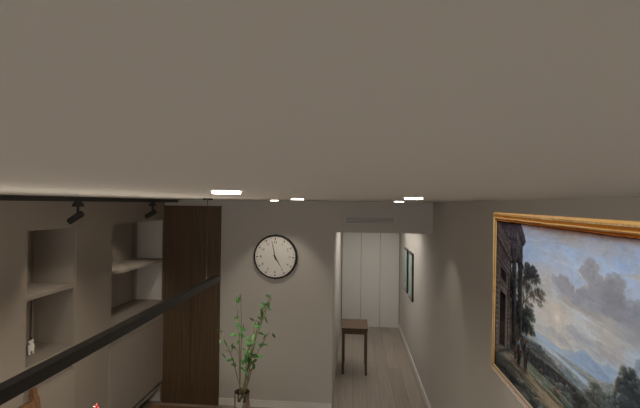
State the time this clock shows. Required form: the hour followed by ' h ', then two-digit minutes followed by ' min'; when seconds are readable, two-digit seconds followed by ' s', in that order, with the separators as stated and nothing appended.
4 h 58 min
